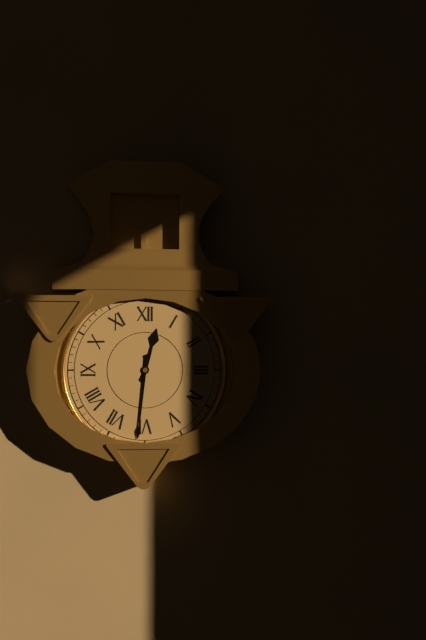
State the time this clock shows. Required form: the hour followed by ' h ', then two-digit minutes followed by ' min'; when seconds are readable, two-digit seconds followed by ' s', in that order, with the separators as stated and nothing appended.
12 h 31 min
